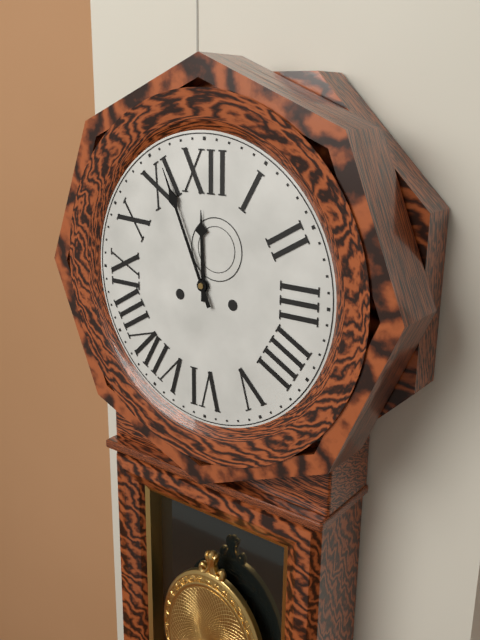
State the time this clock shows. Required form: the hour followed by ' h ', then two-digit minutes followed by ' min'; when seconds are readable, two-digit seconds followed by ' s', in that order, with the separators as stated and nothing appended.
11 h 56 min
